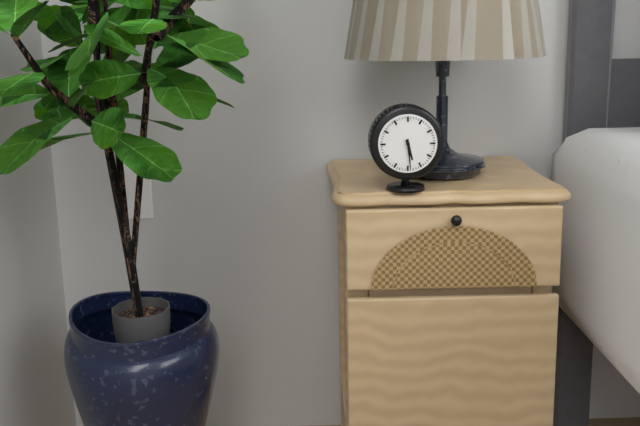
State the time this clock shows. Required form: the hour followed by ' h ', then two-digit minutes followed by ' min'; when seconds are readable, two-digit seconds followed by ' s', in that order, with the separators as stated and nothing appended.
5 h 29 min
